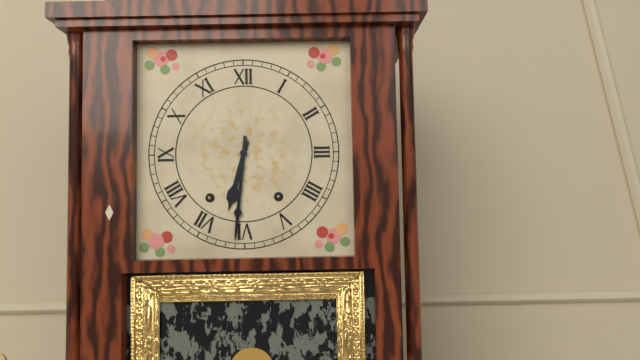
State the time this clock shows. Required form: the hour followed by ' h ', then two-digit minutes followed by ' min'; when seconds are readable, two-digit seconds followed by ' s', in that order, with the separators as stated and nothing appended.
6 h 31 min
